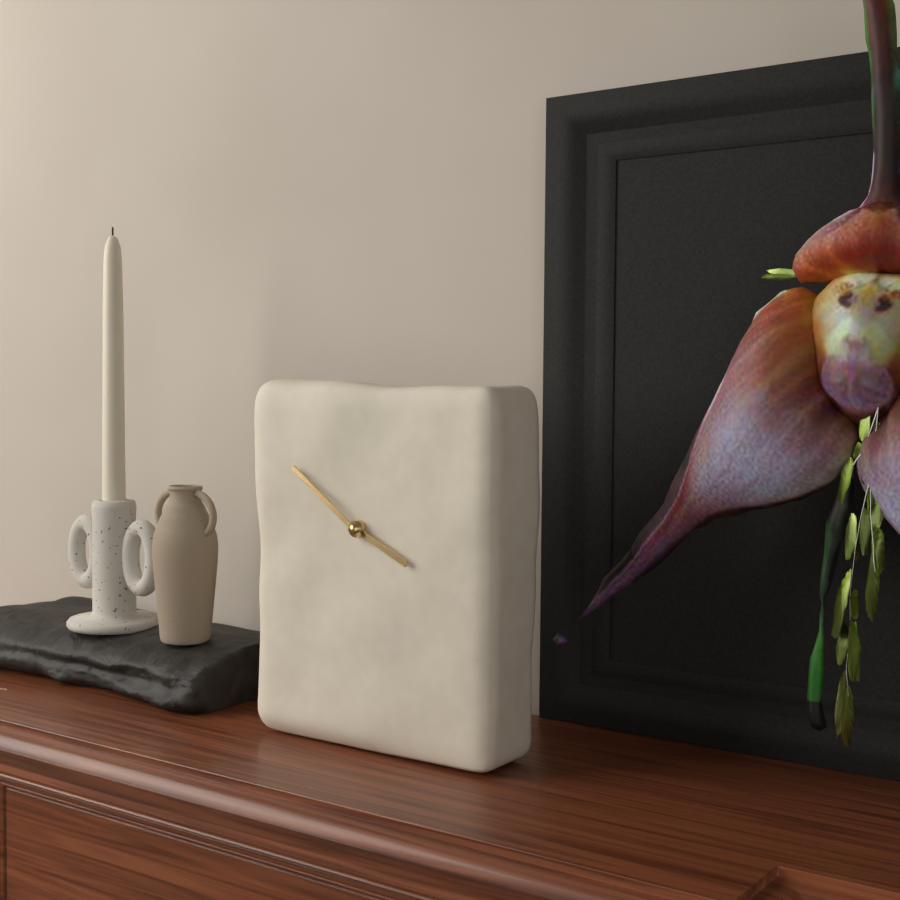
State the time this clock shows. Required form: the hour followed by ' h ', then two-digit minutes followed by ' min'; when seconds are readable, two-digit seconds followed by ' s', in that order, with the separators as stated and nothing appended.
3 h 51 min
